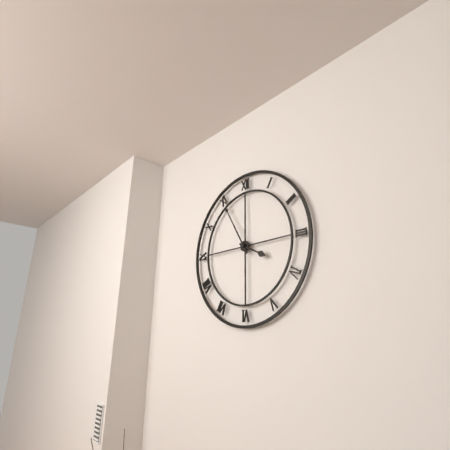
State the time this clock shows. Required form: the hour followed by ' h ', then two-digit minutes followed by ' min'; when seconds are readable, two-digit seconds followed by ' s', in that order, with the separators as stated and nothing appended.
3 h 55 min
